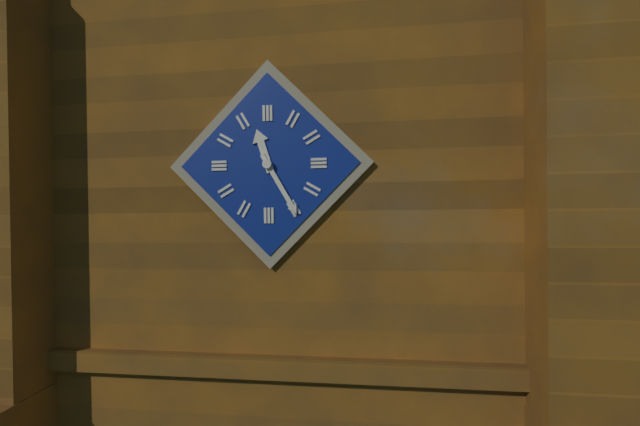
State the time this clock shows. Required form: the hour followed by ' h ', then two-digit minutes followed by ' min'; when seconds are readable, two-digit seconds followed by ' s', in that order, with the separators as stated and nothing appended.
11 h 25 min
